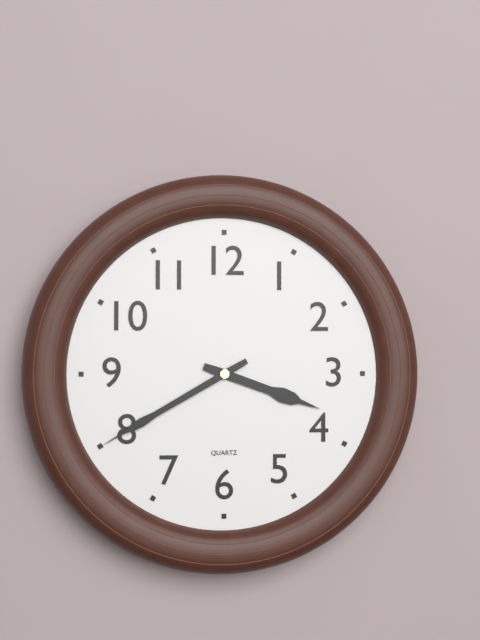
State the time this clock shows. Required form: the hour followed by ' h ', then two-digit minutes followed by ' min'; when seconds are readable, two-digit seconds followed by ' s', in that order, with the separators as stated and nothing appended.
3 h 40 min
